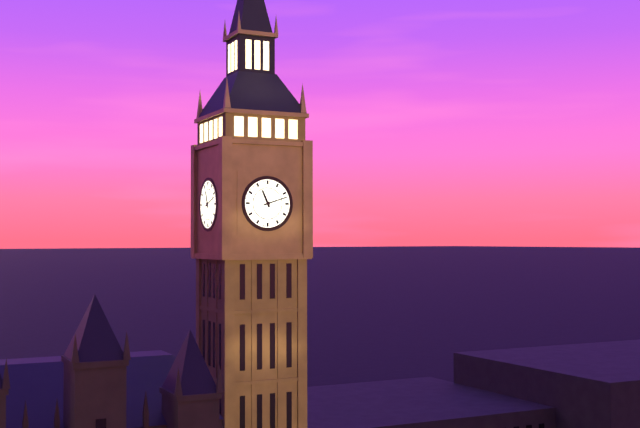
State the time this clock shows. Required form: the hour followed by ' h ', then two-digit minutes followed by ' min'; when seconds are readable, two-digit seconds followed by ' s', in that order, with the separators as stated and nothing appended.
11 h 12 min
